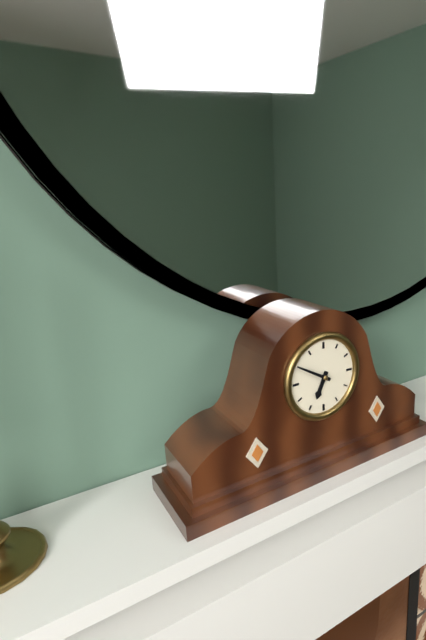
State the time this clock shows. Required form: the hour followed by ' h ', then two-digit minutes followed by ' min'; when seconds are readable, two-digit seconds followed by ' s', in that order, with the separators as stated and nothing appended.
6 h 50 min
